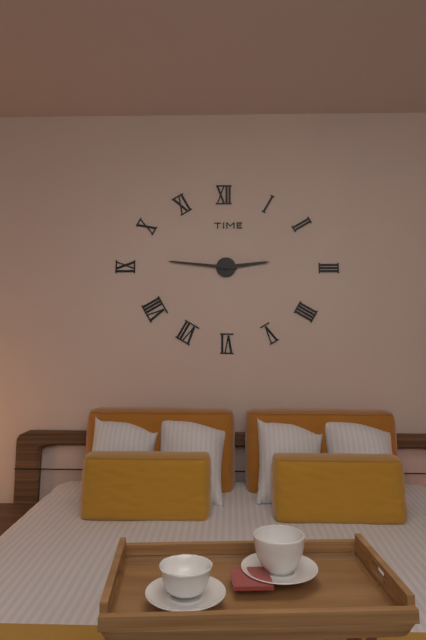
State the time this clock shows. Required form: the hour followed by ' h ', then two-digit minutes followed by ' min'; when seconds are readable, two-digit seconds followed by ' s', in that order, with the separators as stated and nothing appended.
2 h 46 min
